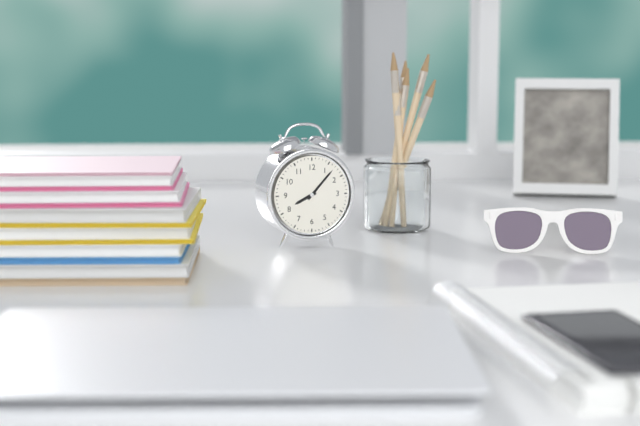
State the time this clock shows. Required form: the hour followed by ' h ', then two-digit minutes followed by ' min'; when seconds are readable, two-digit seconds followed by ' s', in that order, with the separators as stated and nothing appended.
8 h 07 min
